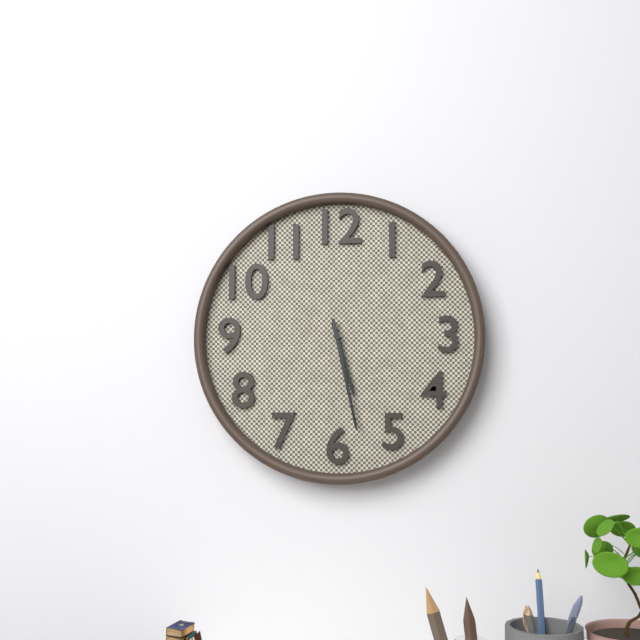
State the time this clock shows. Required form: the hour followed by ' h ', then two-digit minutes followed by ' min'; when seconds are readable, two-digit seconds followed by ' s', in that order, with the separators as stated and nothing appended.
5 h 28 min
